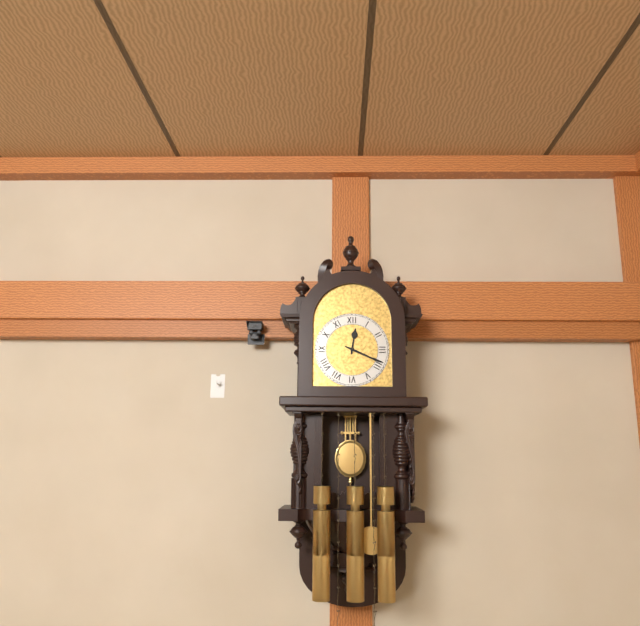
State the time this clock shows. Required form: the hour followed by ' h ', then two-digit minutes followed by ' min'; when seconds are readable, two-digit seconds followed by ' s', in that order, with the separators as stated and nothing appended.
12 h 19 min
